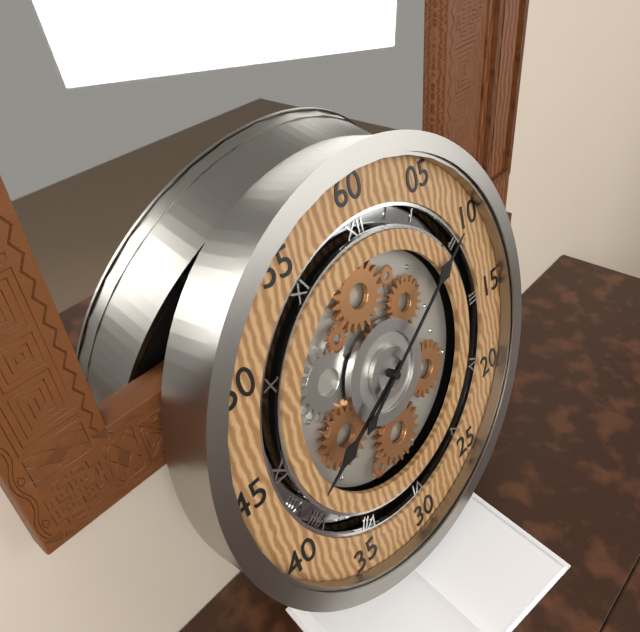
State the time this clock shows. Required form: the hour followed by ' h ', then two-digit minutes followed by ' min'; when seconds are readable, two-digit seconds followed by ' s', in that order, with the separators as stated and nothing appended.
8 h 10 min
